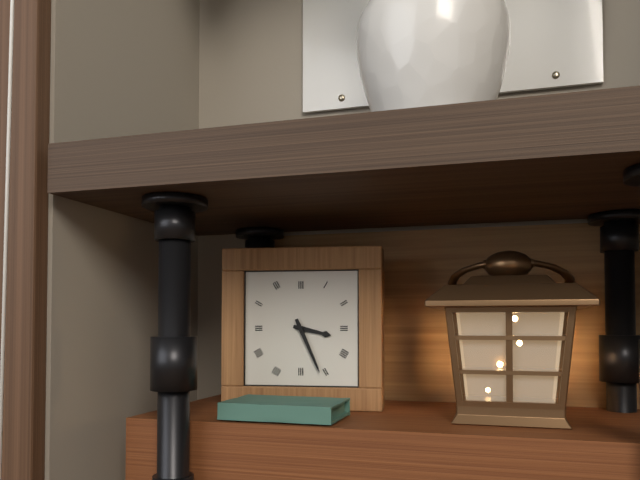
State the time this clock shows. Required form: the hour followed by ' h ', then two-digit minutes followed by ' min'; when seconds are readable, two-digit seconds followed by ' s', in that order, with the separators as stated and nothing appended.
3 h 26 min
